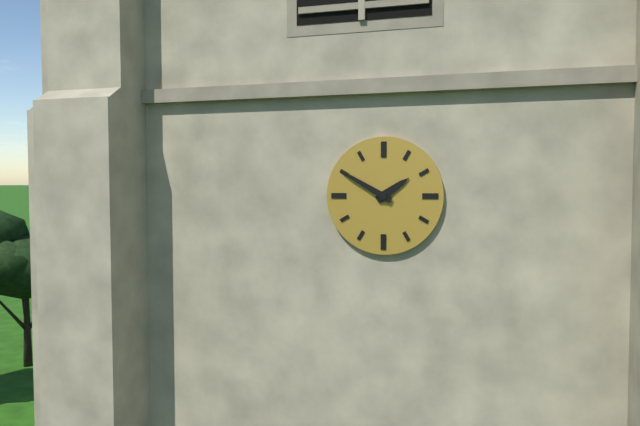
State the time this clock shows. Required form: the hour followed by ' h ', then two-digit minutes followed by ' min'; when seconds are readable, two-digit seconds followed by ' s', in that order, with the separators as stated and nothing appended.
1 h 50 min
